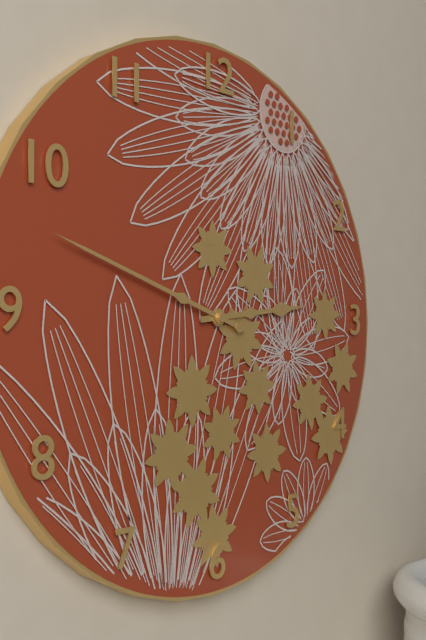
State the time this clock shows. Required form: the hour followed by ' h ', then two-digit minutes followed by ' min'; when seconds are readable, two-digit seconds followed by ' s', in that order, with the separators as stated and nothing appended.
2 h 48 min
